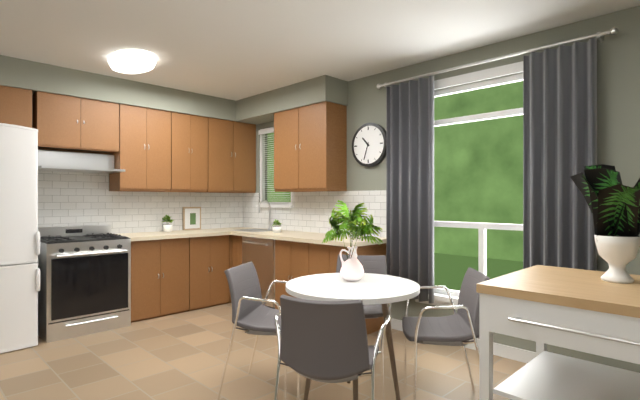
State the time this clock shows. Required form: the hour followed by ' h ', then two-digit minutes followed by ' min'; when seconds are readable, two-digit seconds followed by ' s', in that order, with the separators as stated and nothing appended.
10 h 33 min
